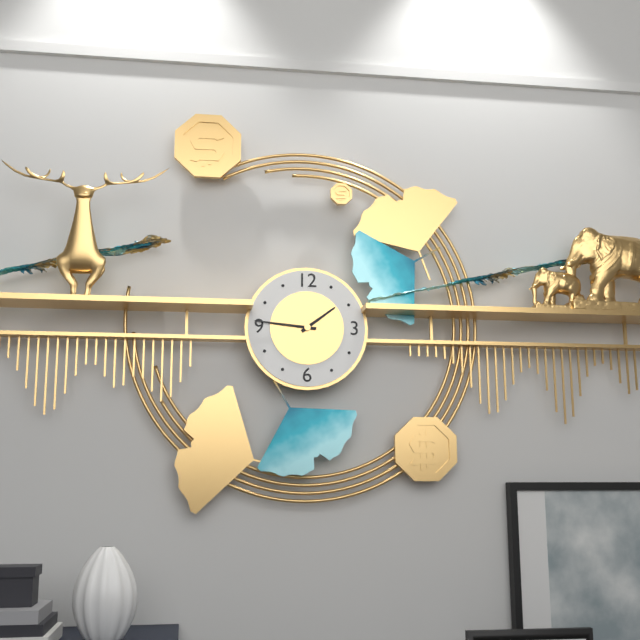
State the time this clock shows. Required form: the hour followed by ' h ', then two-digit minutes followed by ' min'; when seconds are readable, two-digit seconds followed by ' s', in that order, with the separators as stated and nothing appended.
1 h 46 min
